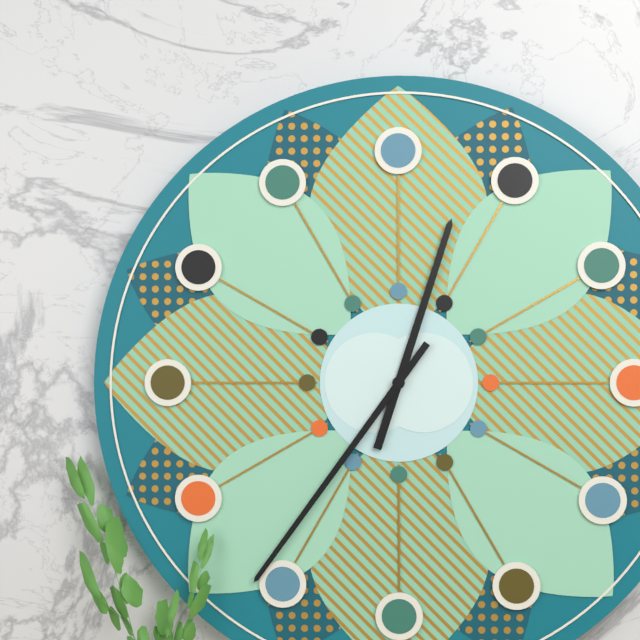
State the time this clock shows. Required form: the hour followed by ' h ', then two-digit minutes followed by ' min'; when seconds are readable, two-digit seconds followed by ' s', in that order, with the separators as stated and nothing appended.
12 h 36 min
